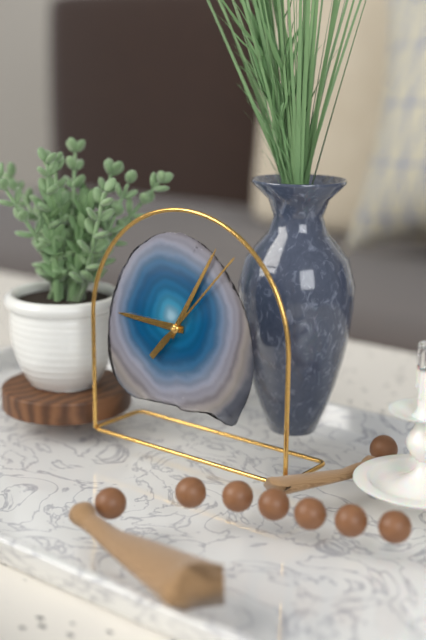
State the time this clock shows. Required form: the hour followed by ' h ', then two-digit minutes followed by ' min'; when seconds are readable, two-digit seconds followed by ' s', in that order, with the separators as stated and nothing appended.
9 h 05 min 07 s
